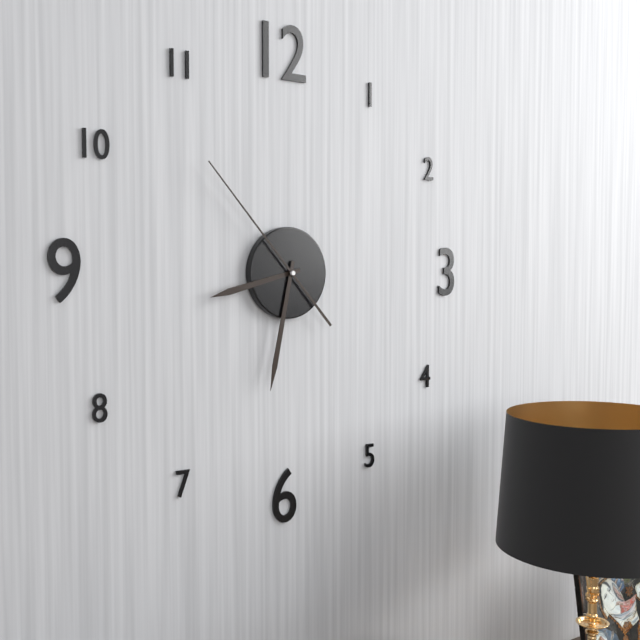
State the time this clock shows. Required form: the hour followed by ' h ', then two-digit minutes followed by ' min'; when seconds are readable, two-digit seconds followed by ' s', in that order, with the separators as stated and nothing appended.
8 h 32 min 53 s
